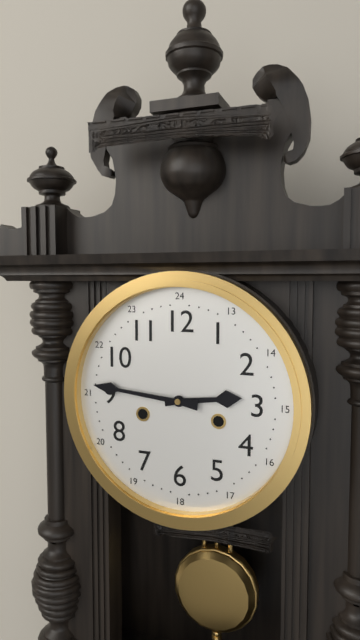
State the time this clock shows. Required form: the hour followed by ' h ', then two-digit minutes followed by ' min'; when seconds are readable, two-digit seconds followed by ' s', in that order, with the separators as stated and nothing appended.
2 h 46 min
